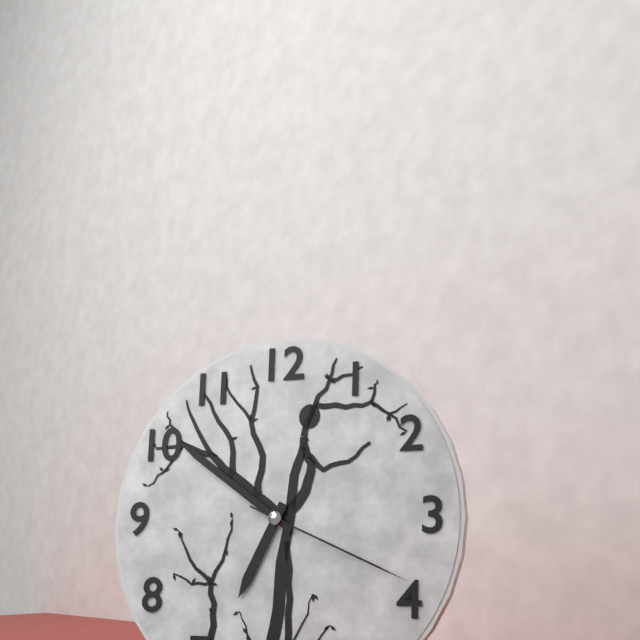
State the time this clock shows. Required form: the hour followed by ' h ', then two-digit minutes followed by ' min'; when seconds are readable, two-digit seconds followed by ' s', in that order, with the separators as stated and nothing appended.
6 h 51 min 19 s
